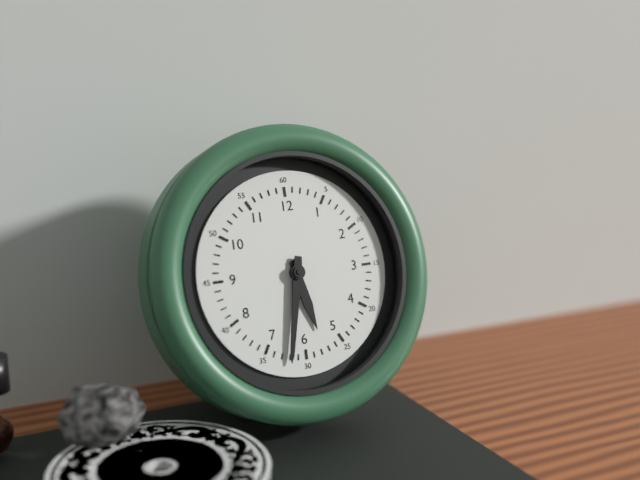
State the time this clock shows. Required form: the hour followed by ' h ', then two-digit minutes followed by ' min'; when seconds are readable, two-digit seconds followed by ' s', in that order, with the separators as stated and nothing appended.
5 h 32 min
